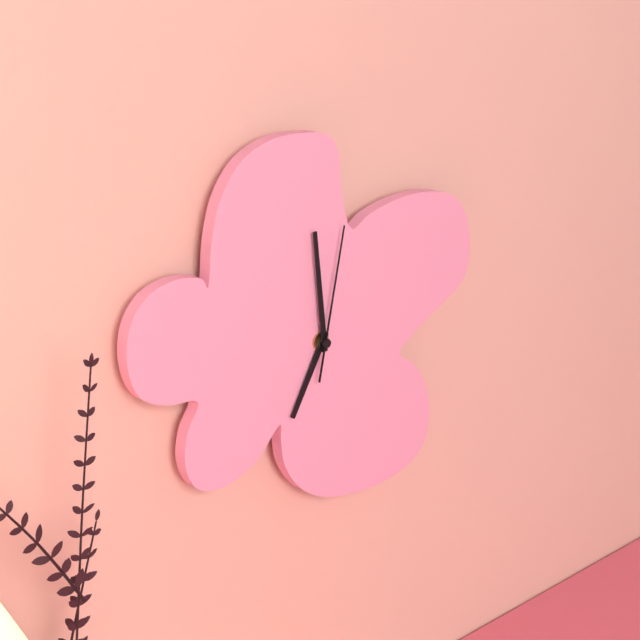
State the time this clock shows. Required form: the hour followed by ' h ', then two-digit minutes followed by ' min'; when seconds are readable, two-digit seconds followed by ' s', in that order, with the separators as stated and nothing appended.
6 h 59 min 02 s
